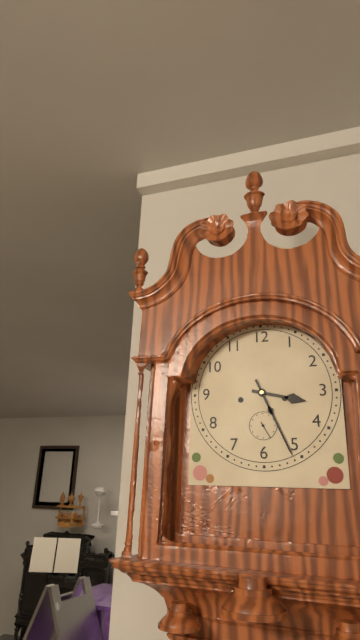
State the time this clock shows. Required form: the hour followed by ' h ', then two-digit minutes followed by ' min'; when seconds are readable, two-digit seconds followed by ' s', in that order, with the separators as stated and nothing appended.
3 h 26 min
